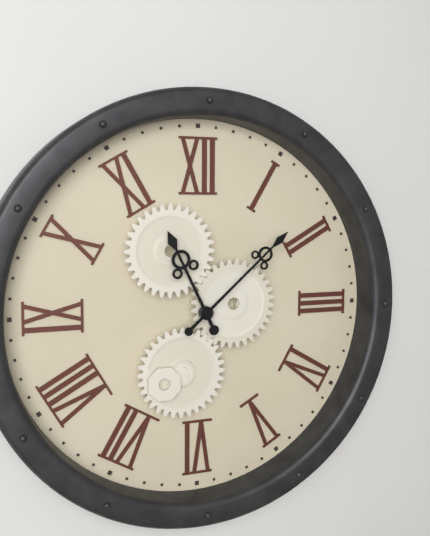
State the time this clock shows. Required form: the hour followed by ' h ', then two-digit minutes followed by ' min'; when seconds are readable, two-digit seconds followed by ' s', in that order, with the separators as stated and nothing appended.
11 h 08 min
